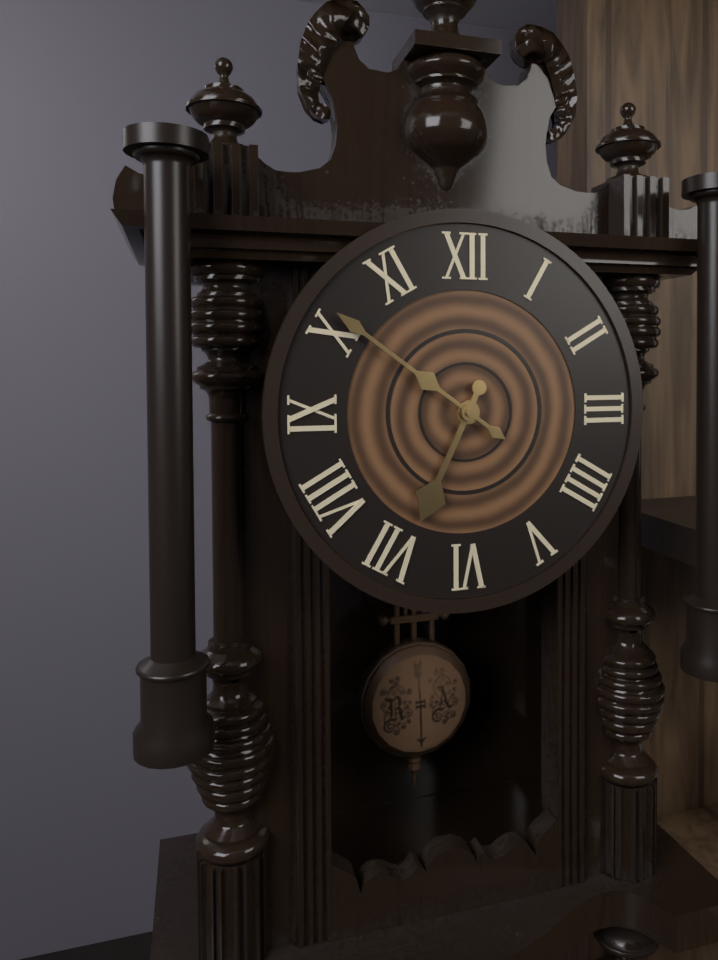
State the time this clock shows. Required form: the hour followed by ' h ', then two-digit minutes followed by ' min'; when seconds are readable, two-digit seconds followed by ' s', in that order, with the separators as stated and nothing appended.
6 h 51 min
